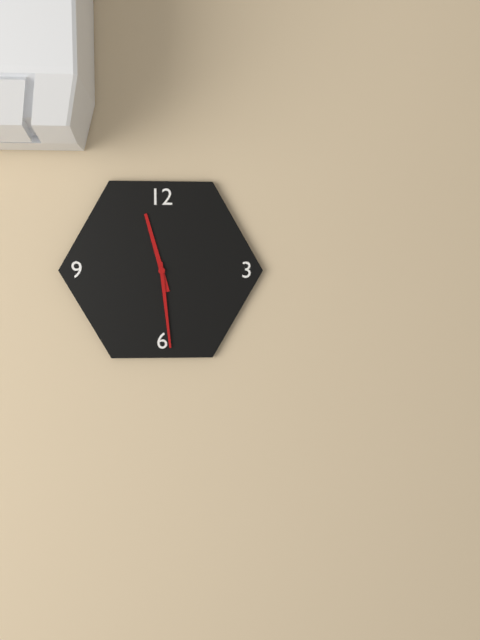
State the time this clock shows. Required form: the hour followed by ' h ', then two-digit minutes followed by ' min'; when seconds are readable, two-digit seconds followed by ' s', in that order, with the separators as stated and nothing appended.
11 h 29 min
